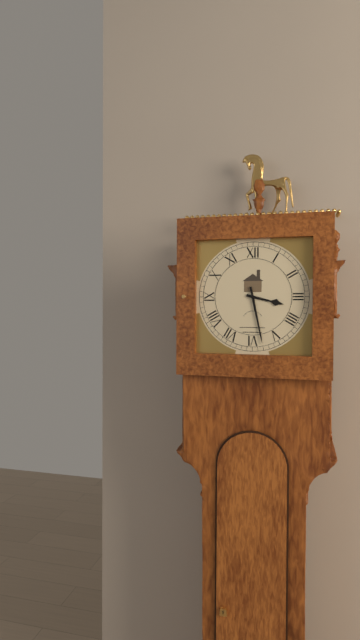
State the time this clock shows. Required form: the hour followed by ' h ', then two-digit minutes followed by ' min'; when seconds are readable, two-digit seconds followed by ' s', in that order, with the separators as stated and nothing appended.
3 h 28 min
